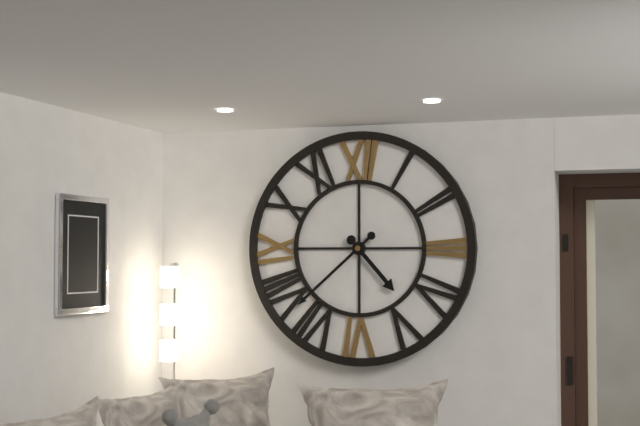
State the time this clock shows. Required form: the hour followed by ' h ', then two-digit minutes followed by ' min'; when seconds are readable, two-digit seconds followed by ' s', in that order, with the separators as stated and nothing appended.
4 h 38 min
